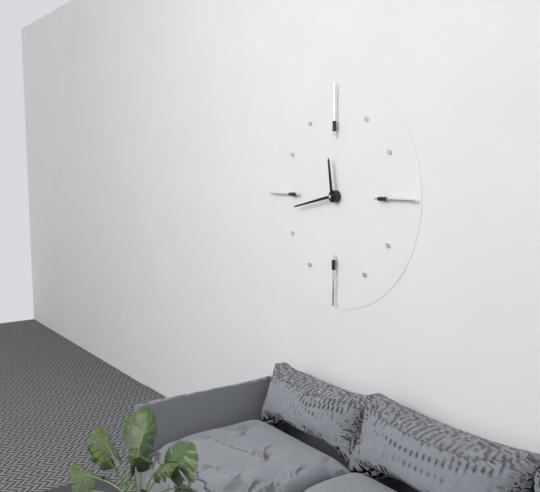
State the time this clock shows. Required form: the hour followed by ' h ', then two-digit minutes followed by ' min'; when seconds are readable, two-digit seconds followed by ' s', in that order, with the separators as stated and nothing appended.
11 h 43 min
